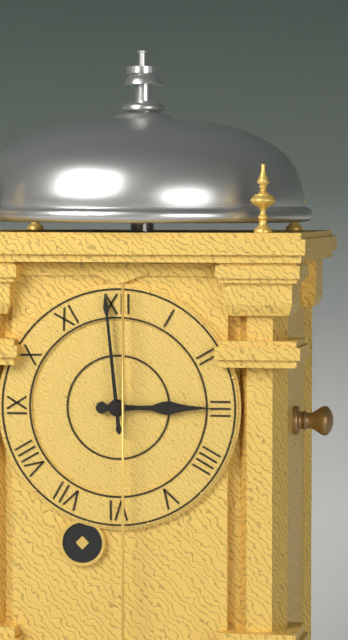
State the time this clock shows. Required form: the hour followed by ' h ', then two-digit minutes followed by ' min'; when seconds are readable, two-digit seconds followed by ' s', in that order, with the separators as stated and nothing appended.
2 h 59 min
